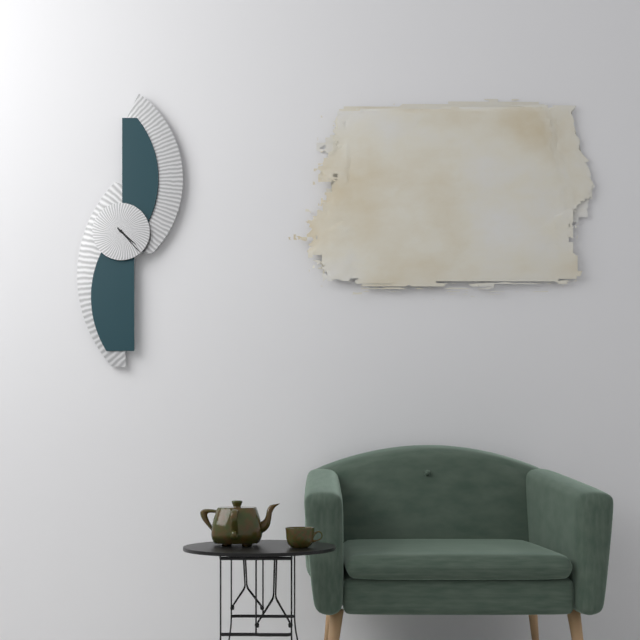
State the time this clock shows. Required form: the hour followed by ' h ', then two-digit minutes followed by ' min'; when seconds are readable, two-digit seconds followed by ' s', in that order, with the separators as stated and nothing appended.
4 h 23 min
